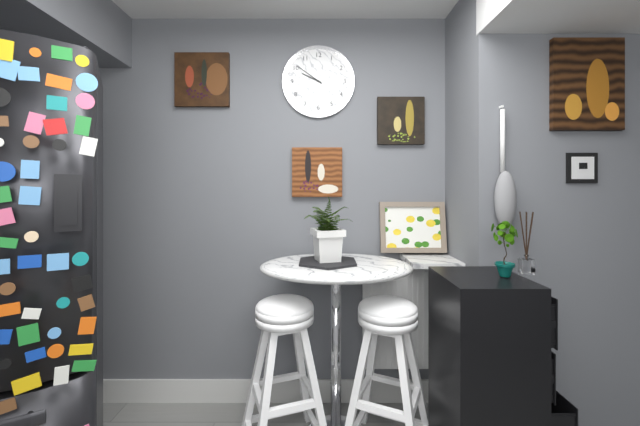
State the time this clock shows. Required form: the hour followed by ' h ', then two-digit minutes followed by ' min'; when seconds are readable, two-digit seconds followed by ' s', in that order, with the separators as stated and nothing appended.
9 h 51 min
